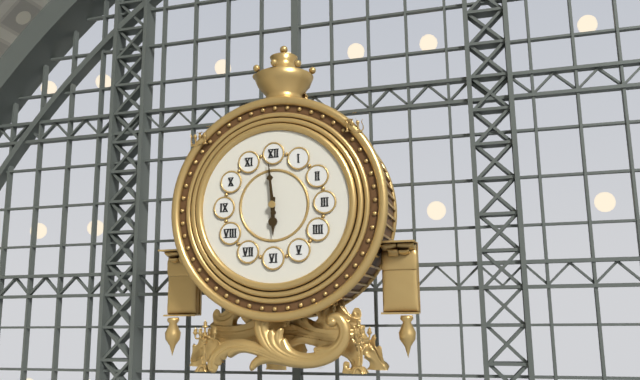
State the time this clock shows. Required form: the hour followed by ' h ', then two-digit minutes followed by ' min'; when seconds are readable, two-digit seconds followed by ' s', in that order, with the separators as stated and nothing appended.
5 h 59 min
